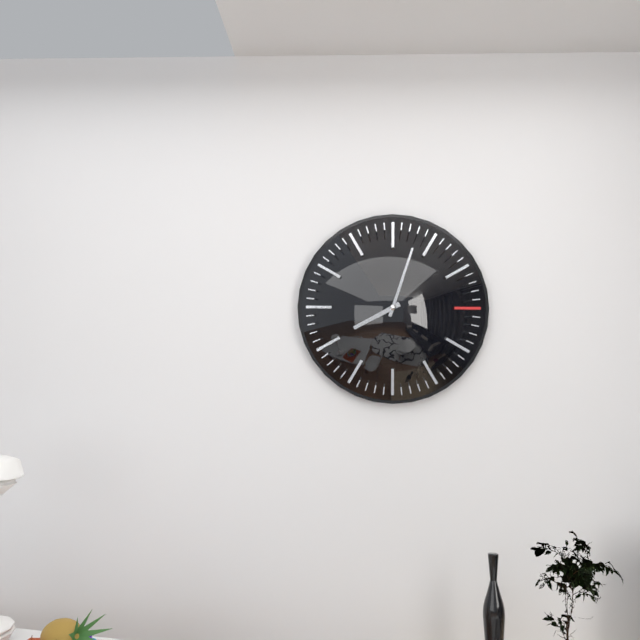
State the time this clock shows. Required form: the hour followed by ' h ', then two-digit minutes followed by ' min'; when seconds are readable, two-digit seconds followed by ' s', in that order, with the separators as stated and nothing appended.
8 h 03 min
